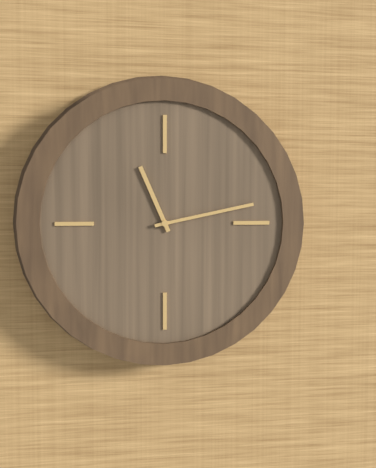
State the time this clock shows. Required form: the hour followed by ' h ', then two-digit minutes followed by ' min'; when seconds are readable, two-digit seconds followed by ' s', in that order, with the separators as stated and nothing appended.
11 h 13 min
